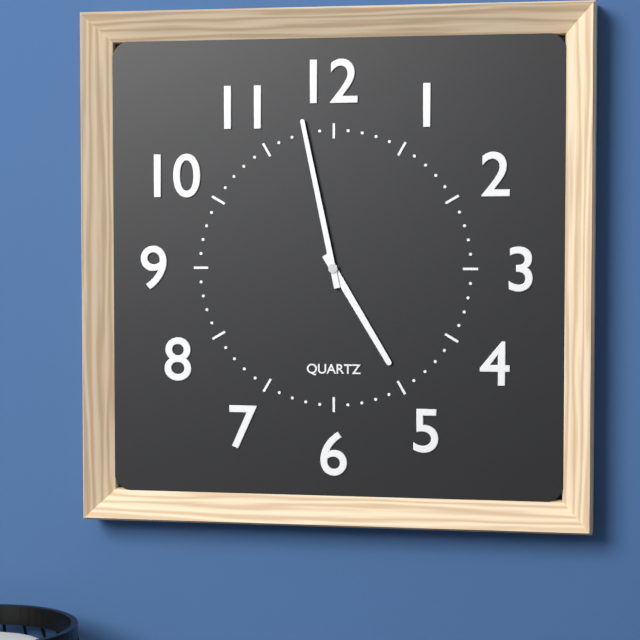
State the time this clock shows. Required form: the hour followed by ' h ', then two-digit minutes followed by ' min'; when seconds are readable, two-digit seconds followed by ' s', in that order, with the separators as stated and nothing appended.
4 h 58 min
